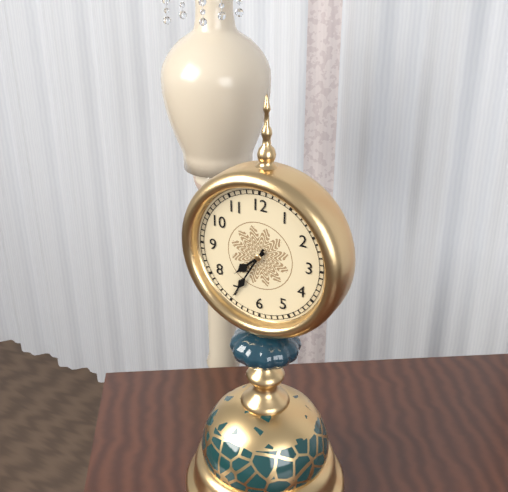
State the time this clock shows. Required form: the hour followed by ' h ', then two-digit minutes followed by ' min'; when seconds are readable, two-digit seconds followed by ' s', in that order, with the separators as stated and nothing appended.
7 h 35 min
